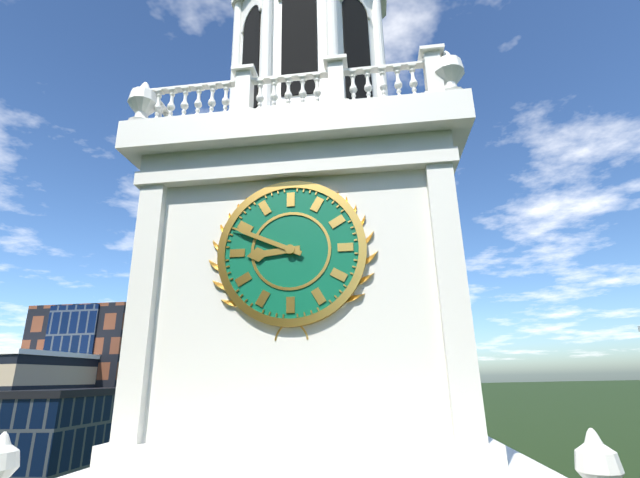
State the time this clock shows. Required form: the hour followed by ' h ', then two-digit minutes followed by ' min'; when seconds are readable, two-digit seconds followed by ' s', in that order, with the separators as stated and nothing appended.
8 h 49 min
